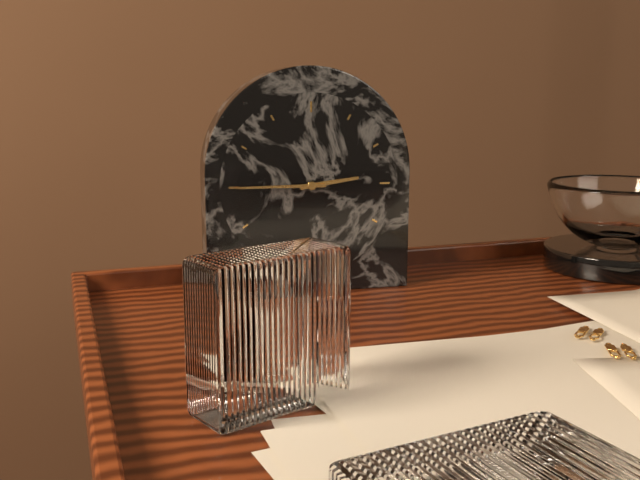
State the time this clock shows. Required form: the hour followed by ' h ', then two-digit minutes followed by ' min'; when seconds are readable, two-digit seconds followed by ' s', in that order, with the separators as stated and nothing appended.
2 h 45 min
